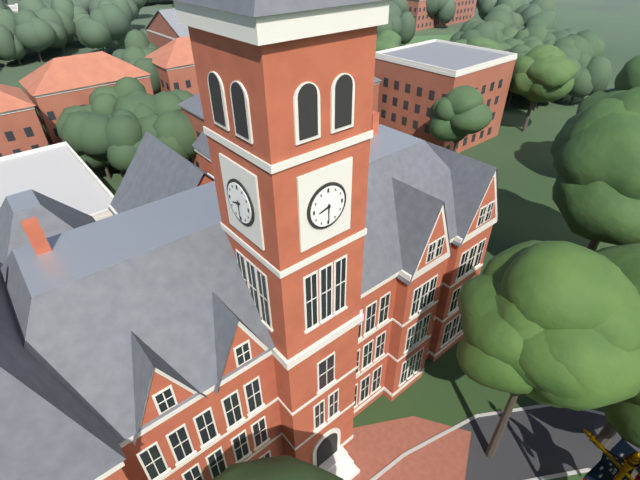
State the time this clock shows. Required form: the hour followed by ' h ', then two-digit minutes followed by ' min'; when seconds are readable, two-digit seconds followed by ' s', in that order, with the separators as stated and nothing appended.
8 h 30 min
